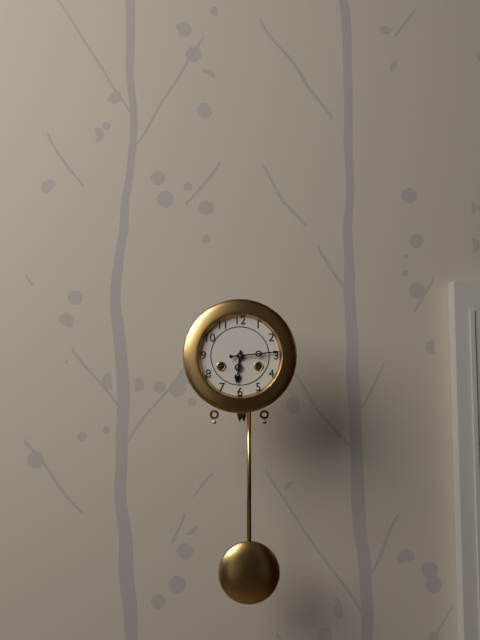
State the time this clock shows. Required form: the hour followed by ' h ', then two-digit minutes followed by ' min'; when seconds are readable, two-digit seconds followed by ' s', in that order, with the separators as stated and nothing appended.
6 h 14 min
